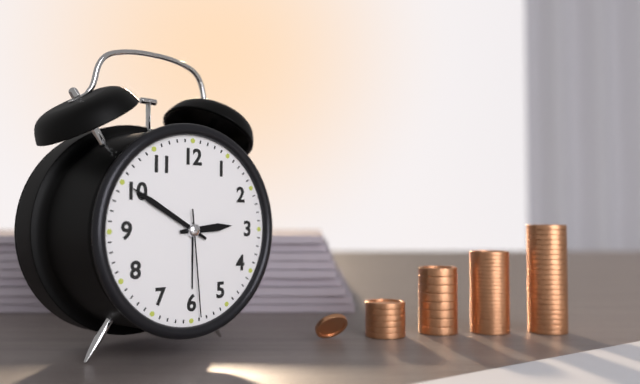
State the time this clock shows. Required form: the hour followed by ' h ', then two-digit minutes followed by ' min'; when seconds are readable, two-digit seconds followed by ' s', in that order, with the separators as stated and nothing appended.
2 h 50 min 29 s
